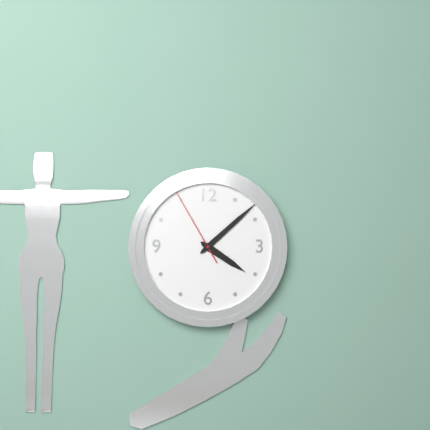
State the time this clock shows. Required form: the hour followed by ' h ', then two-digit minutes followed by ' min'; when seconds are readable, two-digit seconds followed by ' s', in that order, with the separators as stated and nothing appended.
4 h 08 min 55 s
